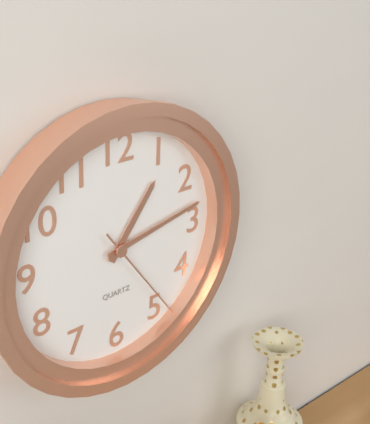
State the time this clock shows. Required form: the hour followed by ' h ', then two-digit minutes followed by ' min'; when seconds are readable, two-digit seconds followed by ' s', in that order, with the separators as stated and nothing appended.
1 h 13 min 24 s
